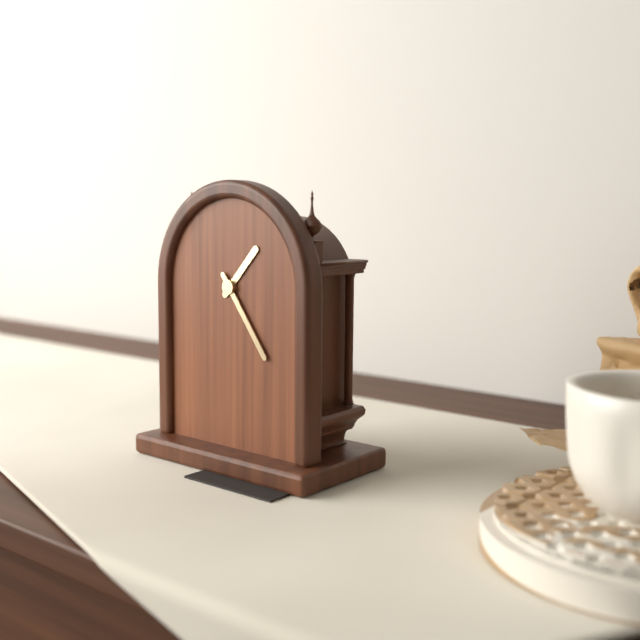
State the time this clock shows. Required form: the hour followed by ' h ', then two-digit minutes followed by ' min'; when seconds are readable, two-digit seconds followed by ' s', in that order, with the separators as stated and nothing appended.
1 h 24 min
